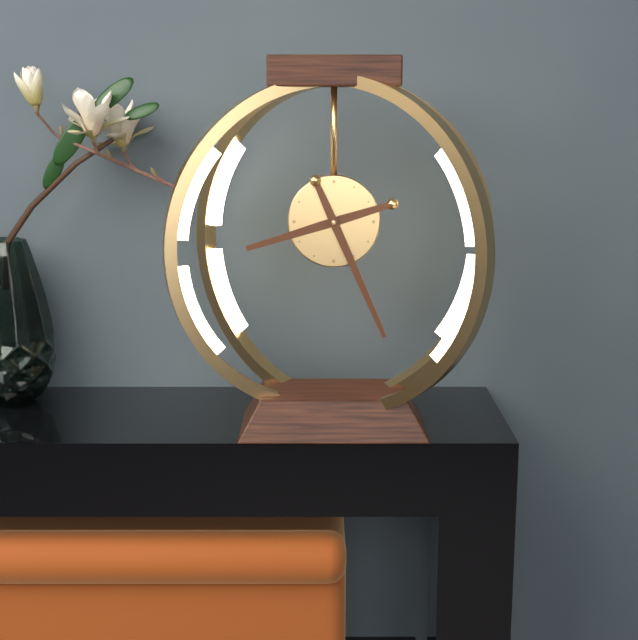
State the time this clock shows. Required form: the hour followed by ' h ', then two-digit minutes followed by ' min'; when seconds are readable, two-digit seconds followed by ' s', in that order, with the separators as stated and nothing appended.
8 h 26 min
